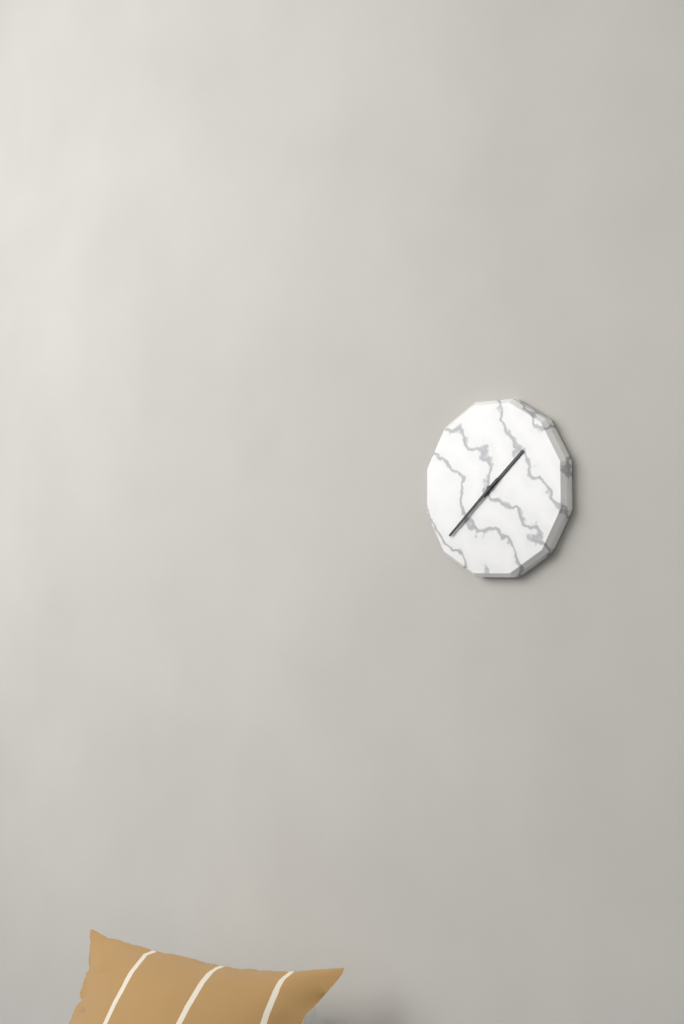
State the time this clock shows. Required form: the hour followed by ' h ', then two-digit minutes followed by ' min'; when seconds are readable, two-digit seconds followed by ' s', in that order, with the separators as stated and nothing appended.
1 h 38 min
